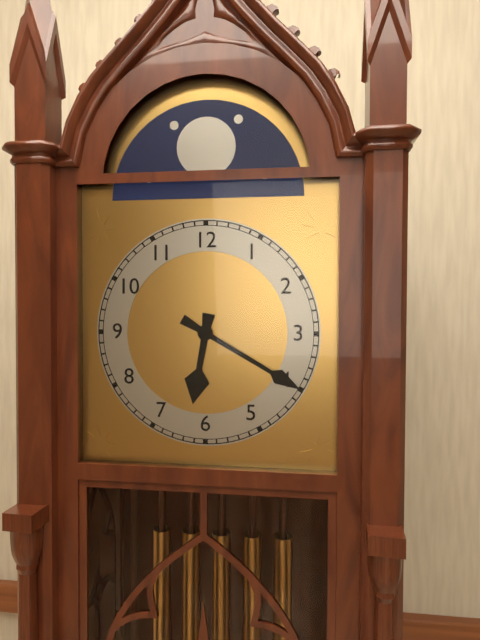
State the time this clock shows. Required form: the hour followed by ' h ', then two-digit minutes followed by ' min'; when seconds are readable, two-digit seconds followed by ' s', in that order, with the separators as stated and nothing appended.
6 h 20 min
